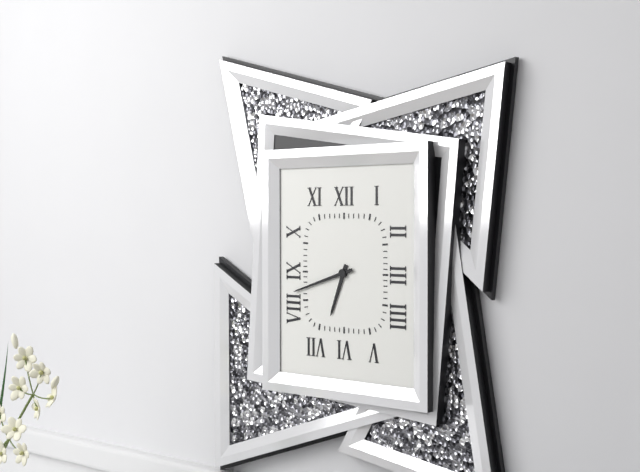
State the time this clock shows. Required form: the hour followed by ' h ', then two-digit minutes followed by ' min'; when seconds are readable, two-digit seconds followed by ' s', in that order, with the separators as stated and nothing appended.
6 h 42 min
